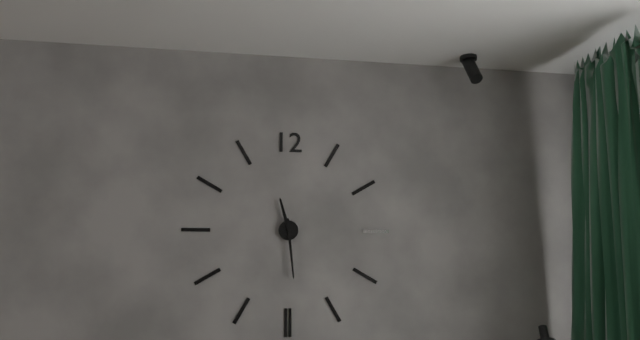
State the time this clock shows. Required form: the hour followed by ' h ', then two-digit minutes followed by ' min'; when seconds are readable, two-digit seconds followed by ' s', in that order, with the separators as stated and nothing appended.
11 h 29 min
